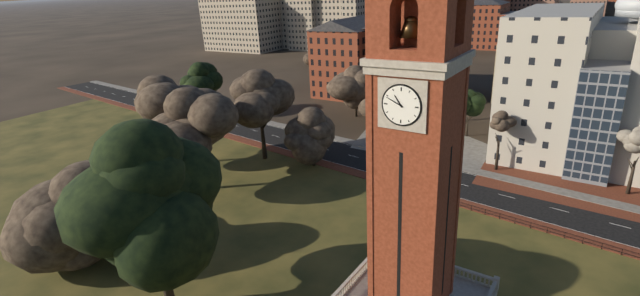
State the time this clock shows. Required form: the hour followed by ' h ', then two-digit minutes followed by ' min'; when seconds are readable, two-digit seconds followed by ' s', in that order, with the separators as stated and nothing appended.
10 h 49 min
